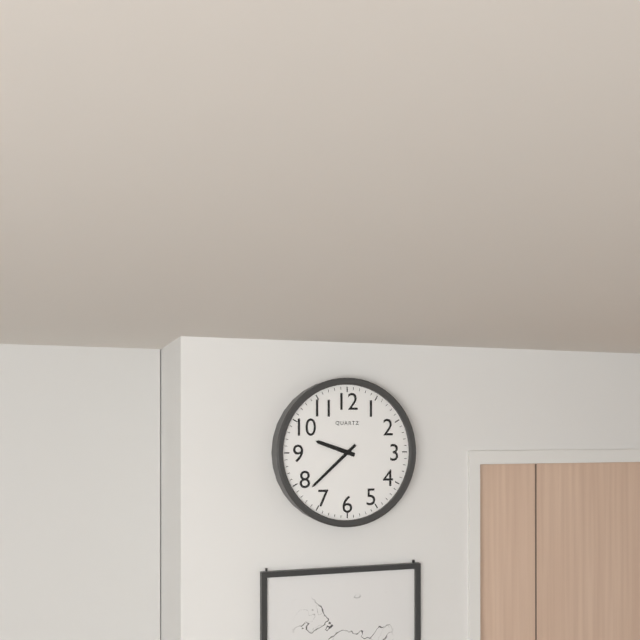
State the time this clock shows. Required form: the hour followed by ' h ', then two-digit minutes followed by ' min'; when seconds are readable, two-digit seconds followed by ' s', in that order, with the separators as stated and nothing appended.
9 h 38 min
